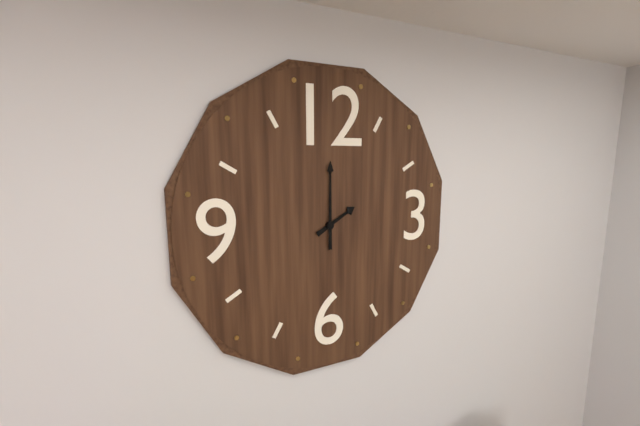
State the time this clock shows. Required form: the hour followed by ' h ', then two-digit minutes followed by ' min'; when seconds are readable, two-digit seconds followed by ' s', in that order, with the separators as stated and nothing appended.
2 h 00 min
